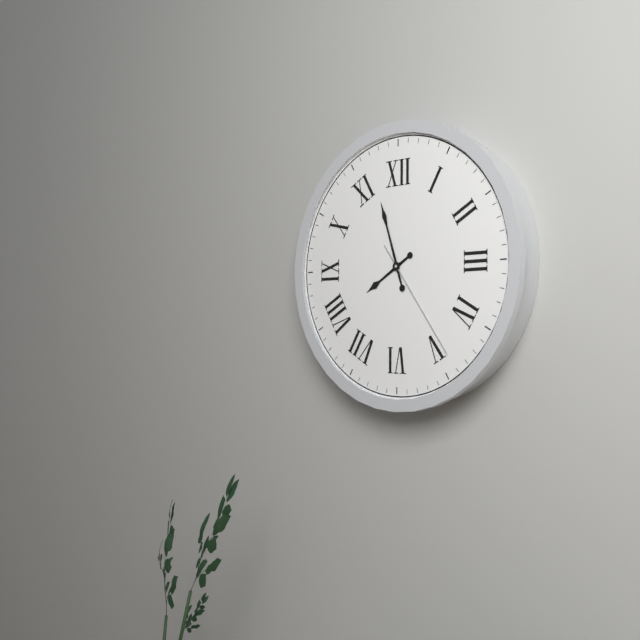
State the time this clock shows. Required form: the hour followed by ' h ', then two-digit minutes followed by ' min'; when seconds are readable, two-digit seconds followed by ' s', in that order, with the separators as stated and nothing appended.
7 h 57 min 24 s
